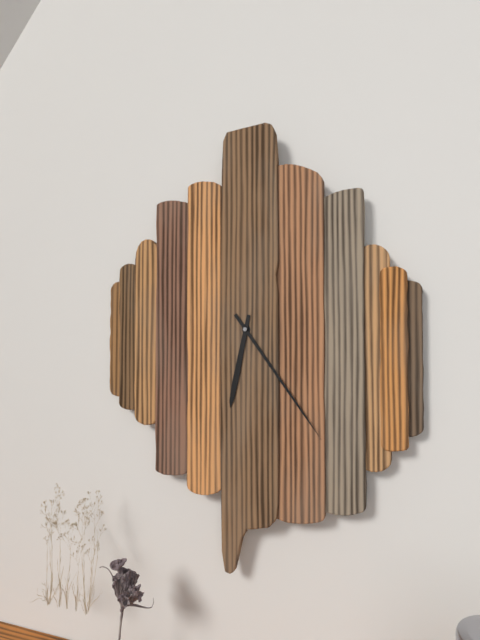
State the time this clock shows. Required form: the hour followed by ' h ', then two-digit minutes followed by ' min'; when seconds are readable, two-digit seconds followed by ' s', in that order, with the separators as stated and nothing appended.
6 h 24 min
